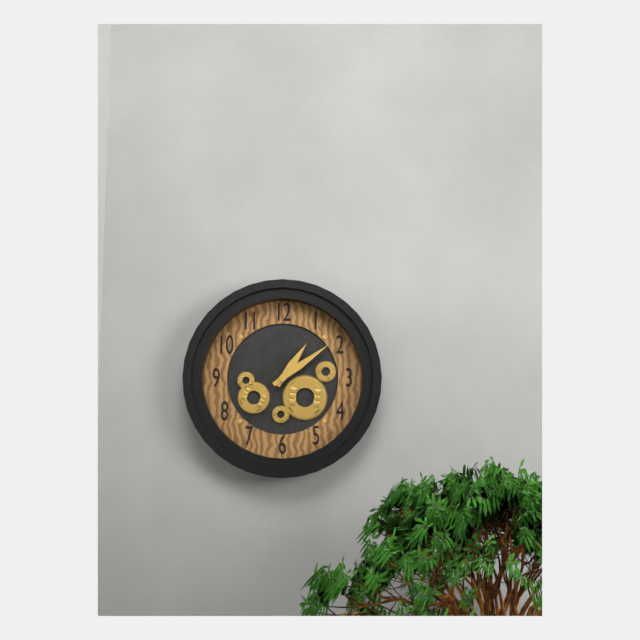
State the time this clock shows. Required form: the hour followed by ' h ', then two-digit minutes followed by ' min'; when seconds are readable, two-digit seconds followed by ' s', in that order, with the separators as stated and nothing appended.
1 h 09 min
